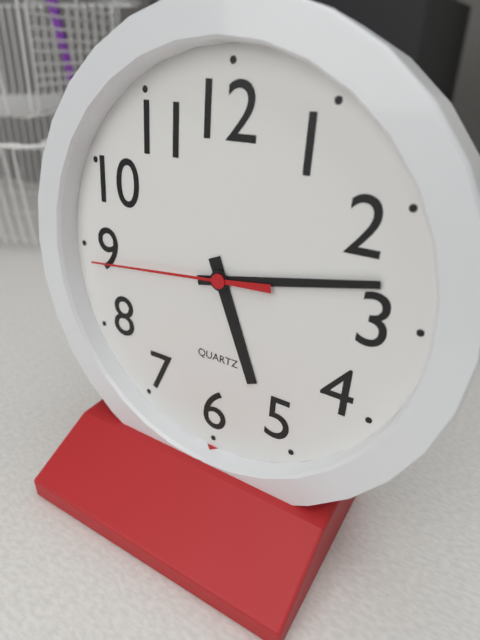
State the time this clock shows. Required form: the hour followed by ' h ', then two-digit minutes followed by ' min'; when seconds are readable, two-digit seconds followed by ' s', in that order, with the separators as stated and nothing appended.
5 h 13 min 44 s
